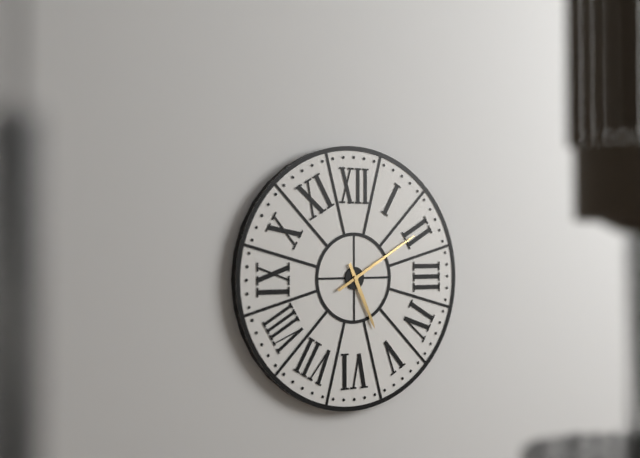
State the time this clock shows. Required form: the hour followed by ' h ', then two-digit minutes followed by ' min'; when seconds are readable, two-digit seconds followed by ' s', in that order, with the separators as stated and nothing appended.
5 h 10 min
